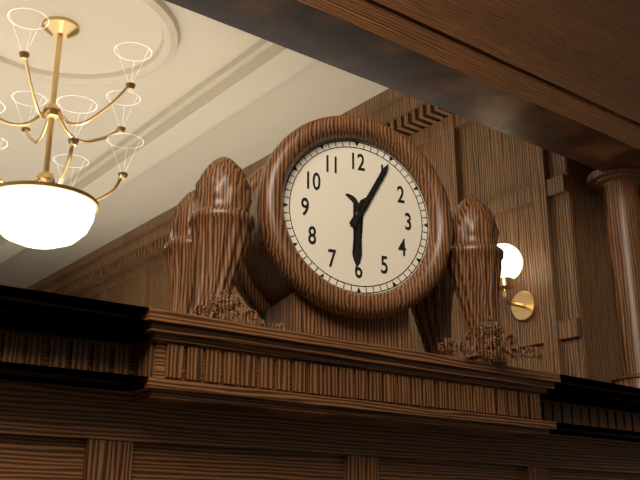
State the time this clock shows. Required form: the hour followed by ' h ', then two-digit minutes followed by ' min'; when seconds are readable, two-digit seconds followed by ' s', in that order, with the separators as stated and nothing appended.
6 h 05 min
